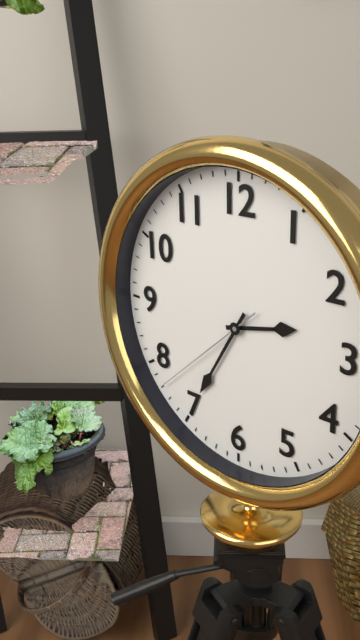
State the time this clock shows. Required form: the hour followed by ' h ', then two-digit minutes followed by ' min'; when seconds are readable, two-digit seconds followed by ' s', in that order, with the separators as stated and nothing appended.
2 h 35 min 38 s
